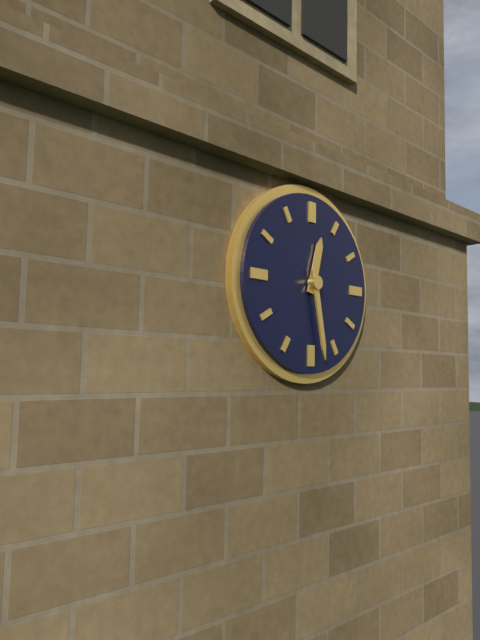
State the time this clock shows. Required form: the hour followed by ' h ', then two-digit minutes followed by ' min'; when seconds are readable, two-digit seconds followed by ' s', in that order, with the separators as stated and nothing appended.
12 h 28 min
